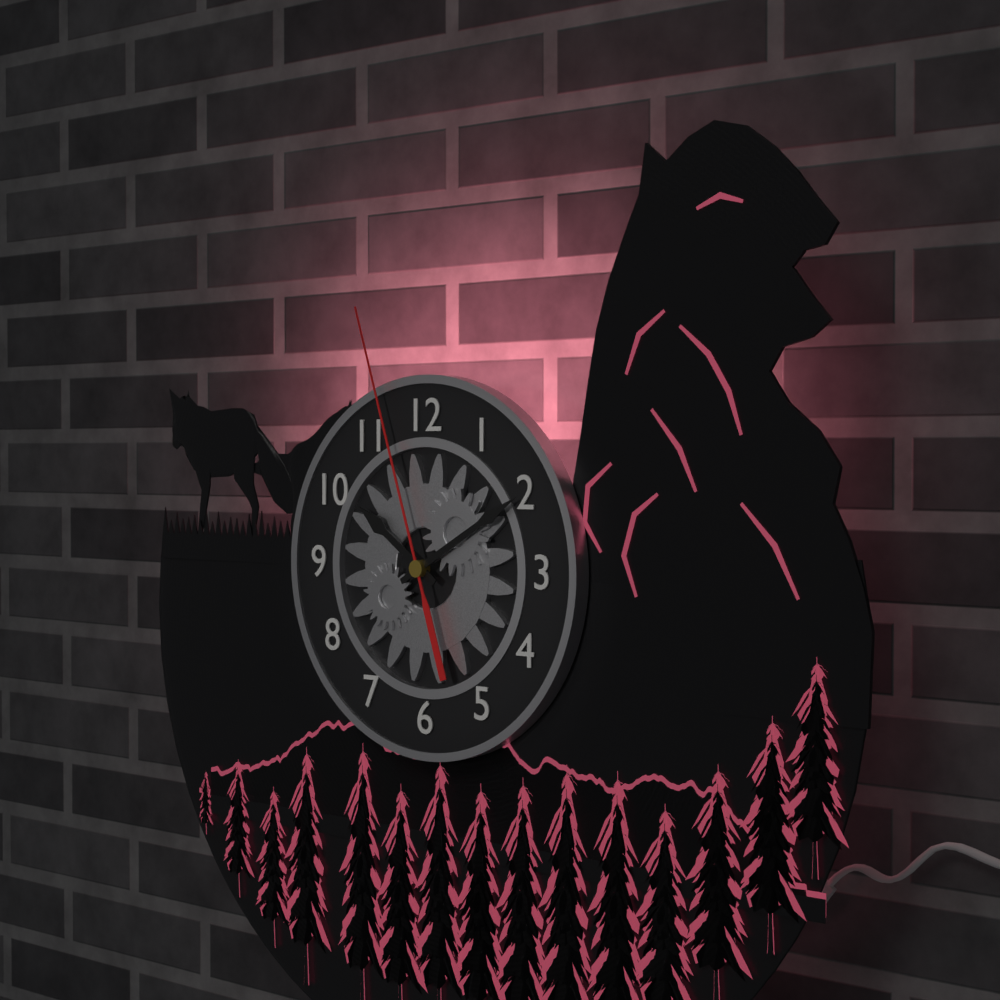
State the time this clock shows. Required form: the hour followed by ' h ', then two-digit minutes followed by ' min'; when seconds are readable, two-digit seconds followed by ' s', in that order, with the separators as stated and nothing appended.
10 h 10 min 57 s
